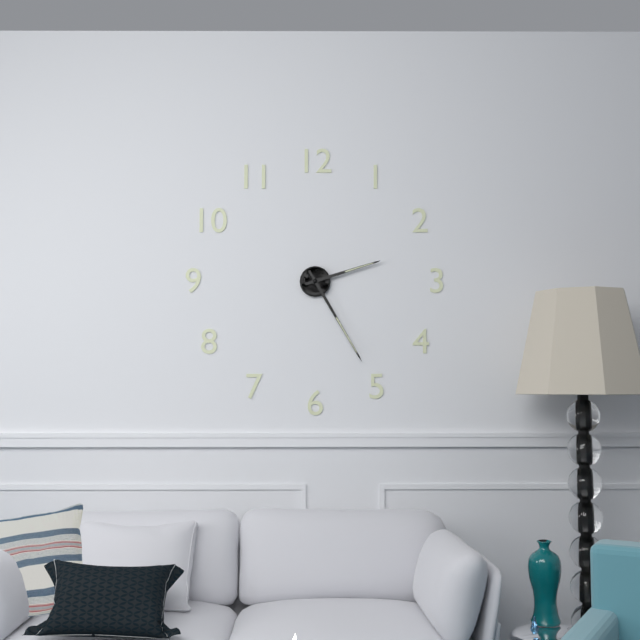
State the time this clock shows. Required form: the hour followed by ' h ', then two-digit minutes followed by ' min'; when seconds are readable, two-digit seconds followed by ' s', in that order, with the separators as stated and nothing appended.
2 h 25 min
